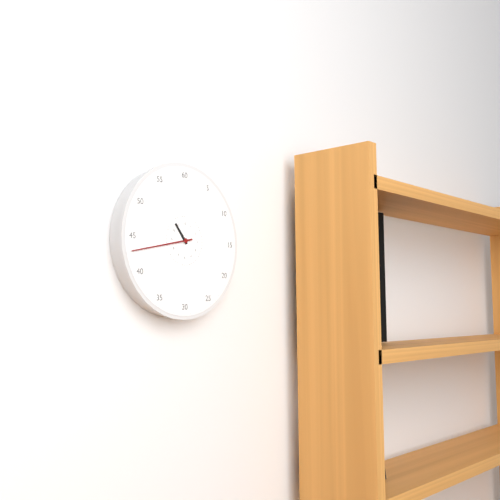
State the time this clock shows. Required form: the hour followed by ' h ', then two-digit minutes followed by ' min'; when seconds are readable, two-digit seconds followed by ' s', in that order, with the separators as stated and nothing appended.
10 h 43 min
